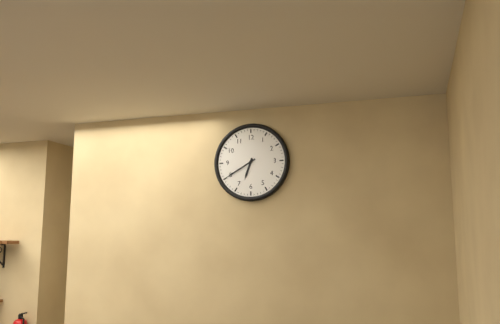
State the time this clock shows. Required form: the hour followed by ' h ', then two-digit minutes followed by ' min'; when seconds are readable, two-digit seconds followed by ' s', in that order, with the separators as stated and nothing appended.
6 h 40 min
